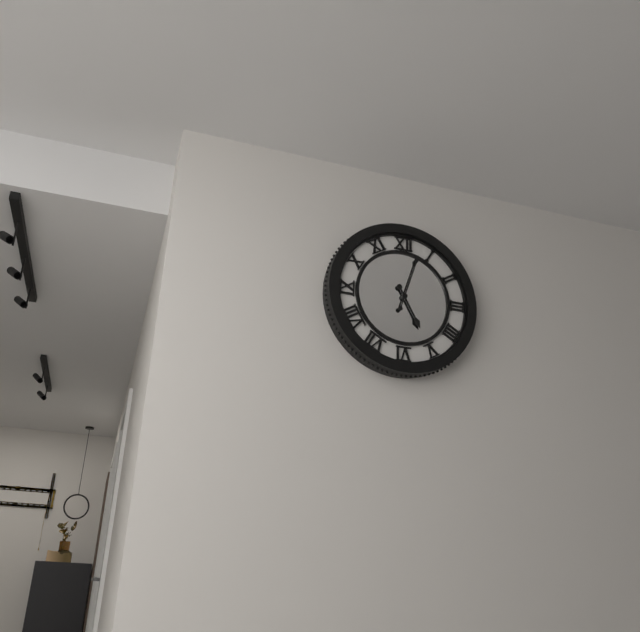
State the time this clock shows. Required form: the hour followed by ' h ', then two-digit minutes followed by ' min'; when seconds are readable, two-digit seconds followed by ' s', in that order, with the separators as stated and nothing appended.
5 h 03 min
